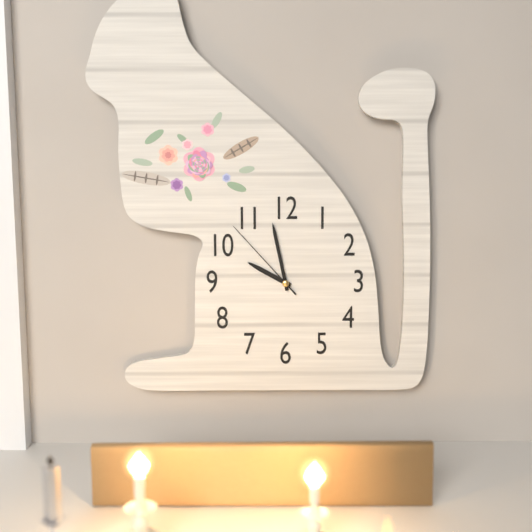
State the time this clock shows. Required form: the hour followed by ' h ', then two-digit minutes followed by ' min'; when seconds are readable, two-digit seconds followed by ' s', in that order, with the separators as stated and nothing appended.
9 h 58 min 53 s
